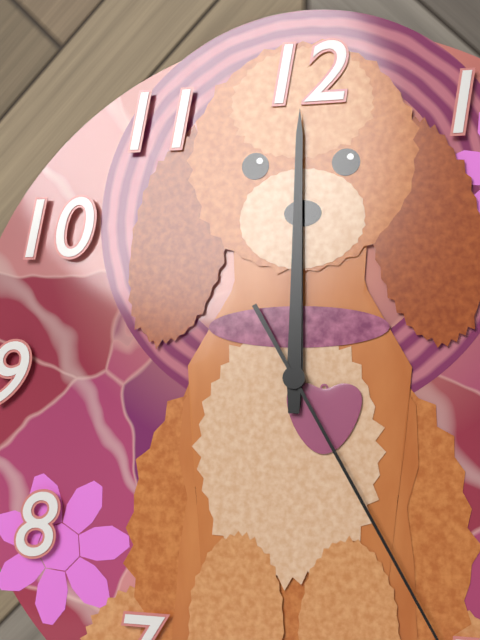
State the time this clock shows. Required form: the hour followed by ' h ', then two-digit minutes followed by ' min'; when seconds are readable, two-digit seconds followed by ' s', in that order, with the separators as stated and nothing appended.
12 h 00 min
